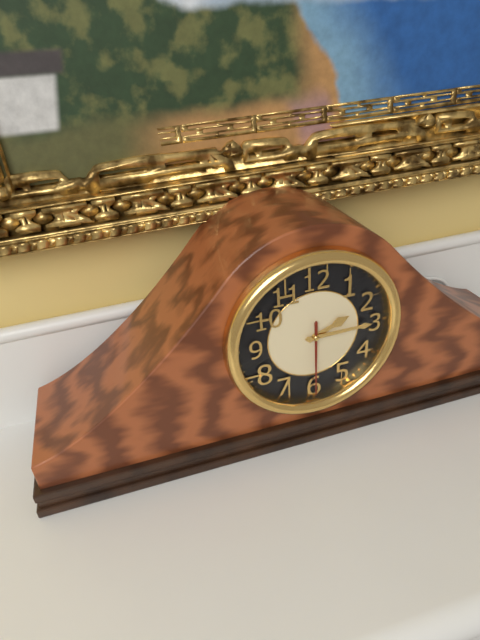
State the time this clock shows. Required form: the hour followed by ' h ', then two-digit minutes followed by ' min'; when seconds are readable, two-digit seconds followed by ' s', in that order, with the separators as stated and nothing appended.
2 h 15 min 30 s
